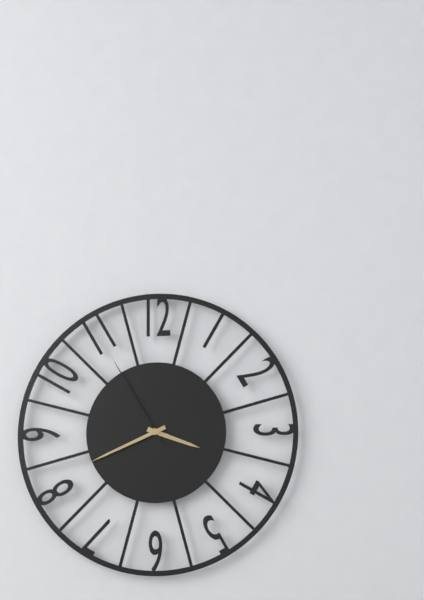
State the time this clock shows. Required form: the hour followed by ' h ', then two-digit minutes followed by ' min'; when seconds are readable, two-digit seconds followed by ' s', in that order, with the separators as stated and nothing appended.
3 h 41 min 55 s
